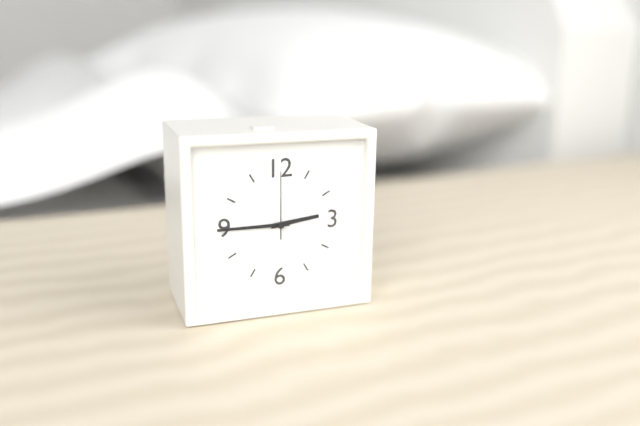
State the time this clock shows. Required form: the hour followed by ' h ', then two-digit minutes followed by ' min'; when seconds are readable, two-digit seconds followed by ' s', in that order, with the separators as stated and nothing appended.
2 h 45 min 00 s
